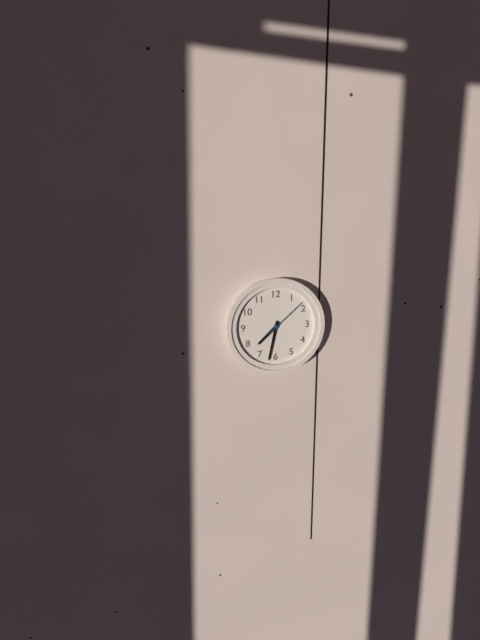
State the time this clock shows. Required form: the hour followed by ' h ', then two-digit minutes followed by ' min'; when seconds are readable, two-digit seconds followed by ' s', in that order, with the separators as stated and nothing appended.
7 h 32 min
